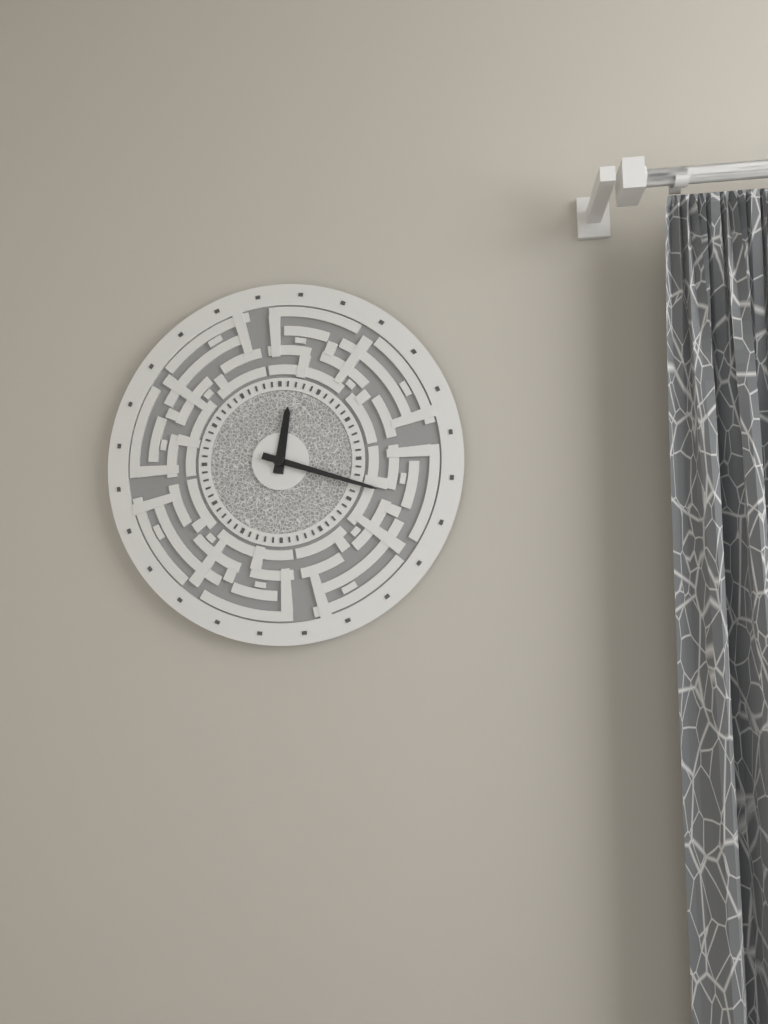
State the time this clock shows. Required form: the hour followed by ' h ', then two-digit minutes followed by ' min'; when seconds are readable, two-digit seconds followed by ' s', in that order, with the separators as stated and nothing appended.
12 h 18 min
